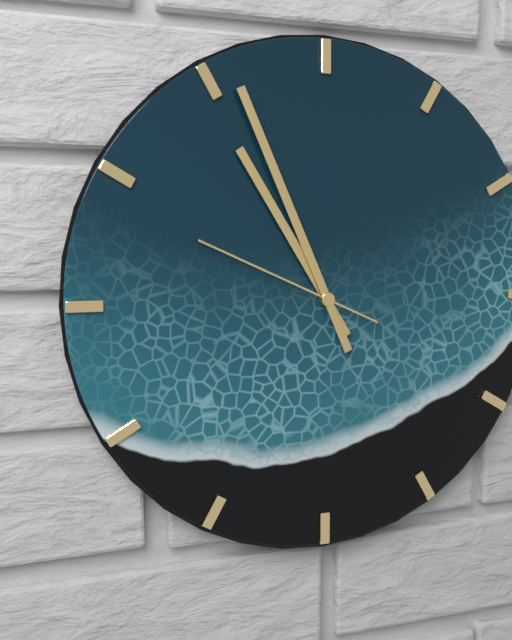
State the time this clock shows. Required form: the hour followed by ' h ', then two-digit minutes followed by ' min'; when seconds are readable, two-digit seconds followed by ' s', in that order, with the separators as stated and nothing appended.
10 h 56 min 49 s
